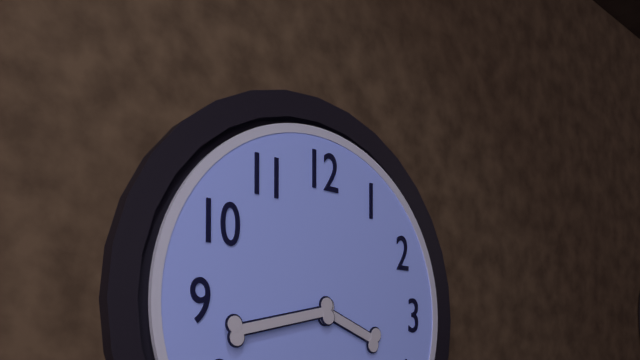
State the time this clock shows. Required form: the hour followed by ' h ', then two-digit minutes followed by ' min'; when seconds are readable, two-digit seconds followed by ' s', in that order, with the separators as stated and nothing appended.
3 h 43 min
